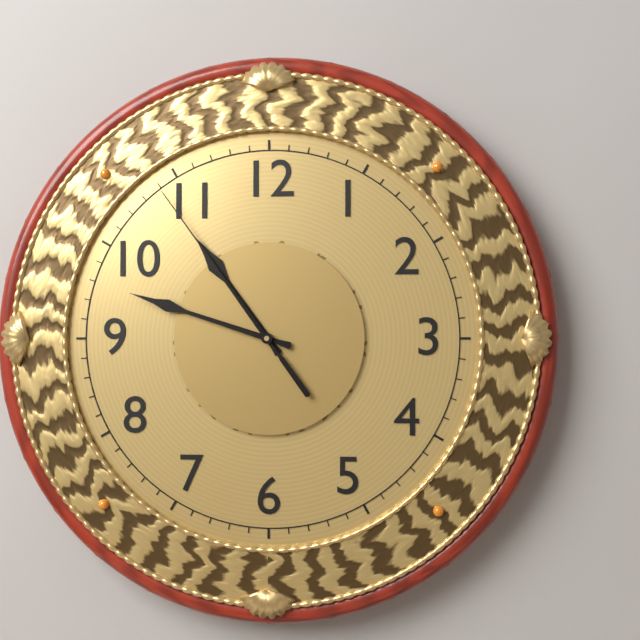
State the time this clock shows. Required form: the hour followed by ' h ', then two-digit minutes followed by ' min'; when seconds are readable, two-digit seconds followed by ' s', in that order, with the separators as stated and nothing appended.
10 h 48 min 54 s
